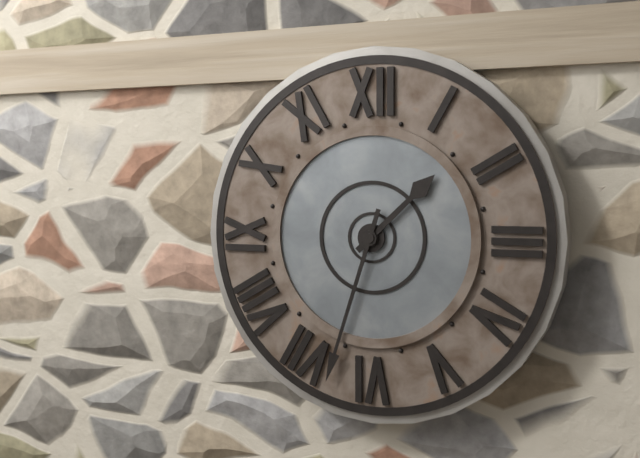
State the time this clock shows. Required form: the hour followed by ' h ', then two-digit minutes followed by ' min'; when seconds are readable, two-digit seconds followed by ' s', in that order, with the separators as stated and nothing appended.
1 h 33 min
